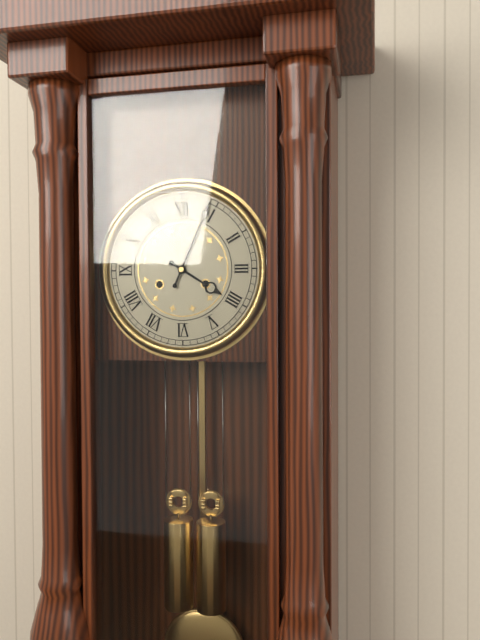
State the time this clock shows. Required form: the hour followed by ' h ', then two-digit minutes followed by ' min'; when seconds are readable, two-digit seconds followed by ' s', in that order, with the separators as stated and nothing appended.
4 h 04 min
